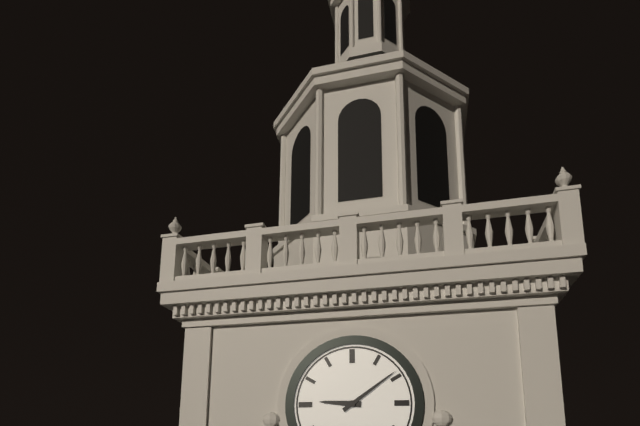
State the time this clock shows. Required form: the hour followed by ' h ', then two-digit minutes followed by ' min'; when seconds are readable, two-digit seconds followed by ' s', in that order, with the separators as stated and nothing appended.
9 h 09 min
